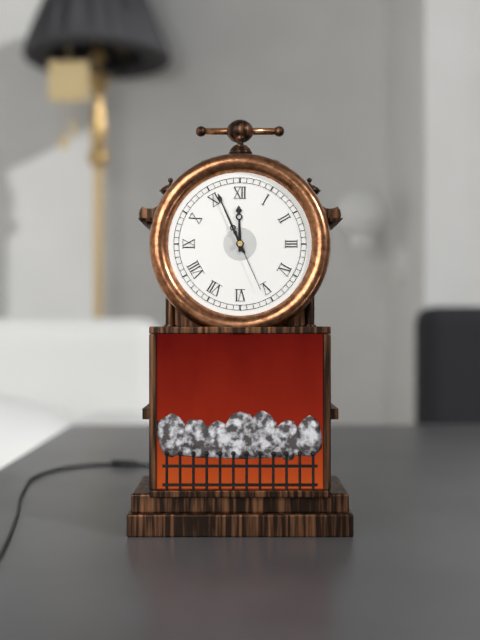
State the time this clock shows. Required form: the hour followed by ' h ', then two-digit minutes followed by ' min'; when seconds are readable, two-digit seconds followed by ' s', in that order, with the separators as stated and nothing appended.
11 h 56 min 26 s
